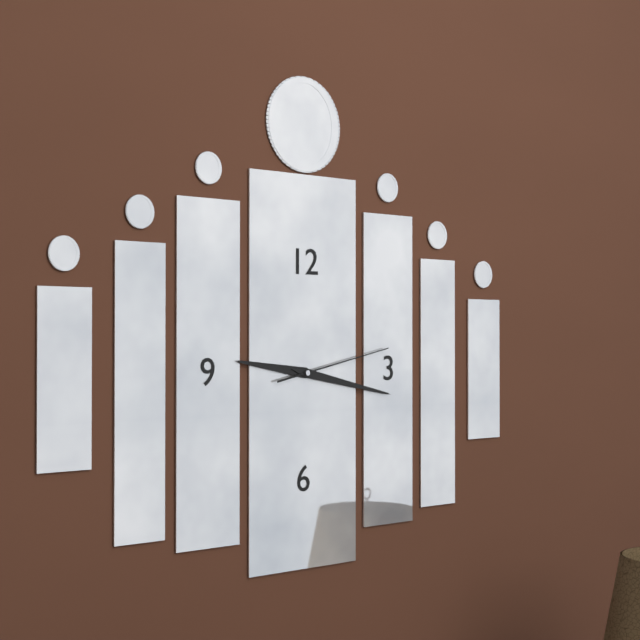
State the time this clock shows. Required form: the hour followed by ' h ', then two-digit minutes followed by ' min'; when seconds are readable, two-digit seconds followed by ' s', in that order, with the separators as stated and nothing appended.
9 h 17 min 13 s
